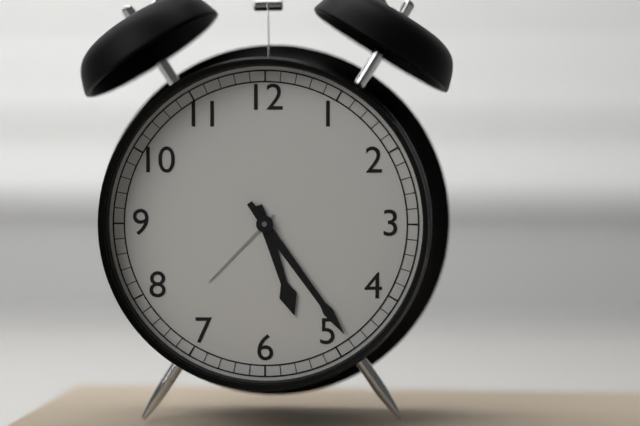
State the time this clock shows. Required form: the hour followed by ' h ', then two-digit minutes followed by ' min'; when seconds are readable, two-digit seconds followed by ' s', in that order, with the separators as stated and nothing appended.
5 h 24 min
